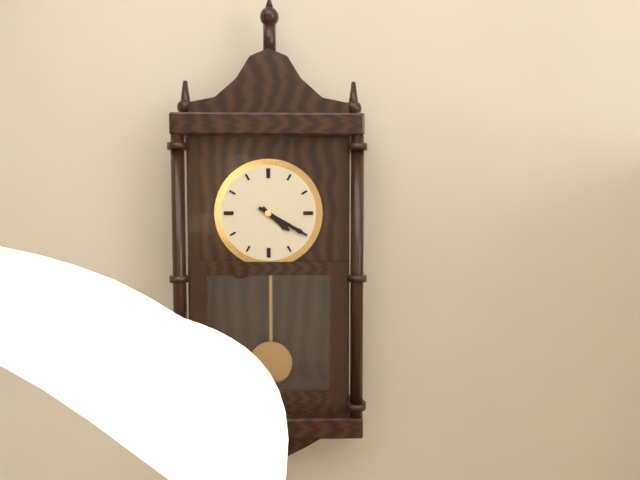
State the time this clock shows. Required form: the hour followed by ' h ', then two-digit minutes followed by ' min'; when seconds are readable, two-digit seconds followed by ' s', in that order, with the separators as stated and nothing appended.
4 h 20 min
